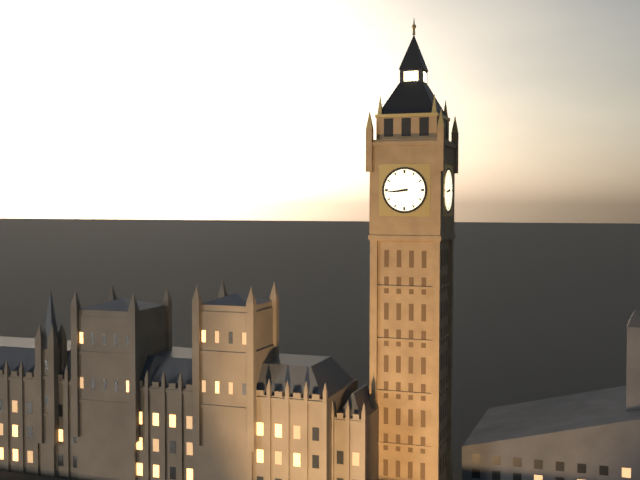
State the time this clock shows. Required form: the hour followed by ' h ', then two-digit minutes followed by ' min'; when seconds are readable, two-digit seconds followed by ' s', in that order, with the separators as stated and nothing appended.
8 h 44 min
